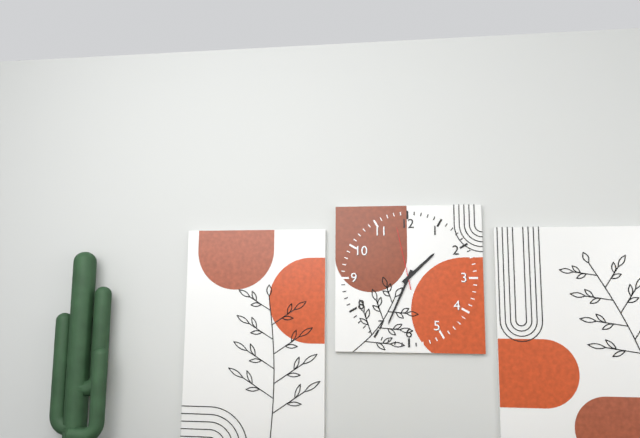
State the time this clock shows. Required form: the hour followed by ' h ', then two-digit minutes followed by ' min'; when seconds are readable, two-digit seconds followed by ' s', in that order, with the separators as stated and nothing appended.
1 h 34 min 58 s
